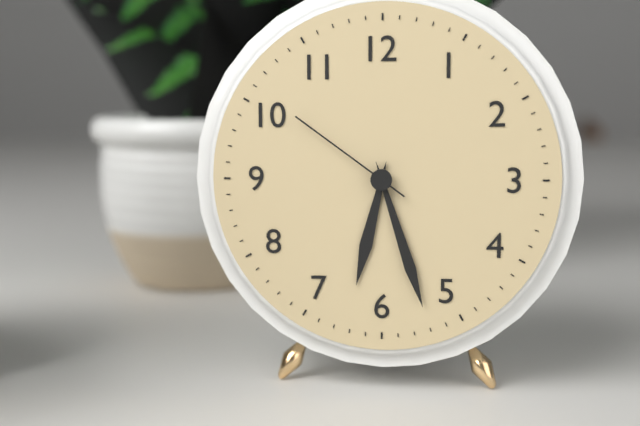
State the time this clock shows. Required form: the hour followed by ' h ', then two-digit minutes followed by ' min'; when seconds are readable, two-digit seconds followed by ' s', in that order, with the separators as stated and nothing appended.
6 h 27 min 51 s
